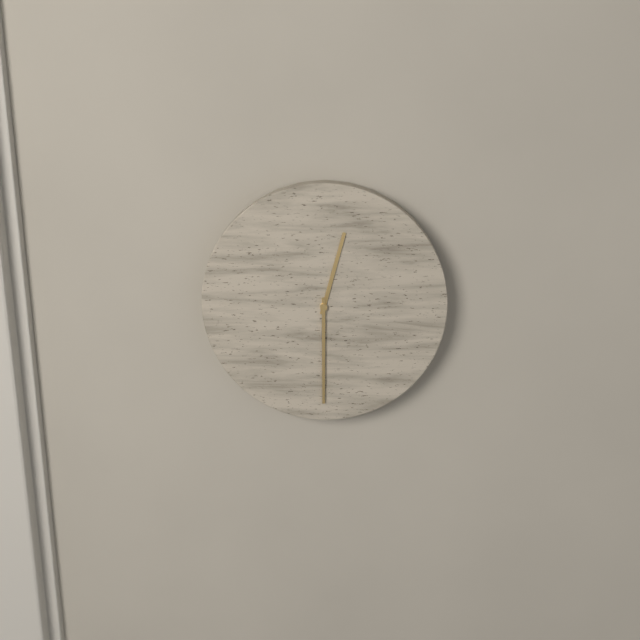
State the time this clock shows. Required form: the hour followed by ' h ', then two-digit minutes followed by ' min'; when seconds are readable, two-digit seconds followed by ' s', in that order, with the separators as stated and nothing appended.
12 h 30 min
